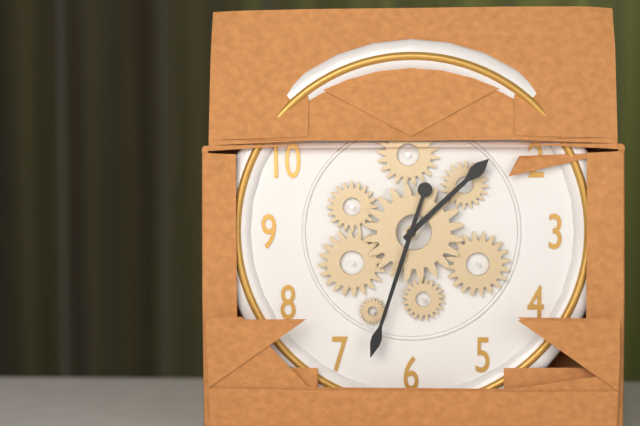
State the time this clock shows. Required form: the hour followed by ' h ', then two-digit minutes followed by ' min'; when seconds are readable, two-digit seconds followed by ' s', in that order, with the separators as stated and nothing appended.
1 h 33 min
